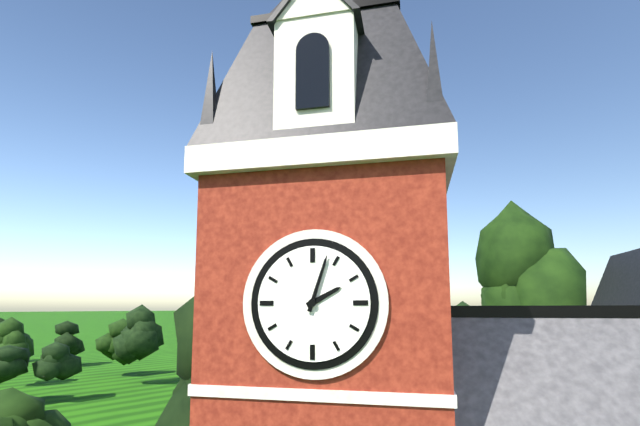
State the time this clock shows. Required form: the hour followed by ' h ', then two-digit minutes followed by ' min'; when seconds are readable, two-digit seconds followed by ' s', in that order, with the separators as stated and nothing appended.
2 h 03 min
